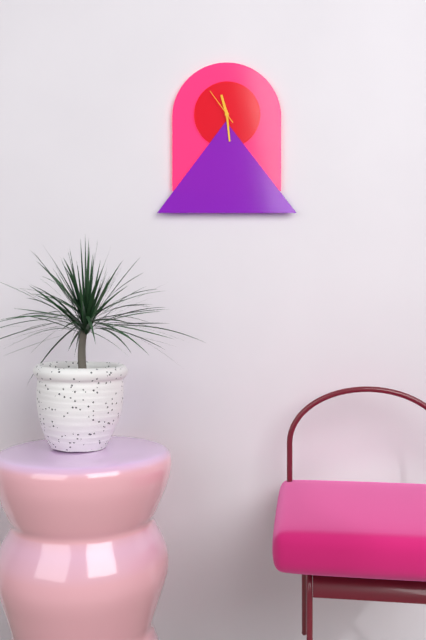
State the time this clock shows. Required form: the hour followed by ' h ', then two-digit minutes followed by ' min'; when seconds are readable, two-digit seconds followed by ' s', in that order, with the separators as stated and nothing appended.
11 h 29 min
